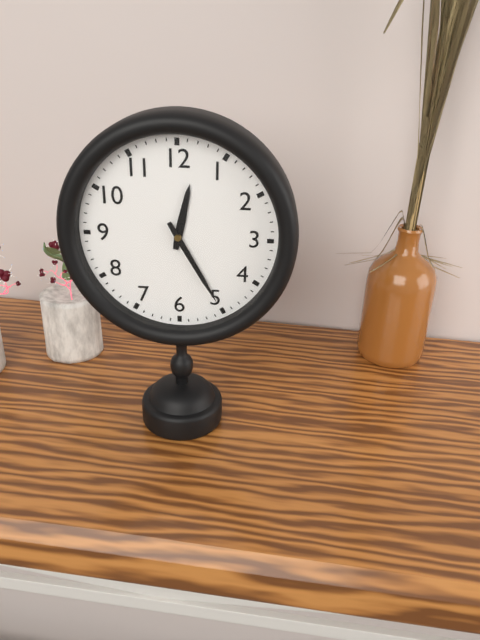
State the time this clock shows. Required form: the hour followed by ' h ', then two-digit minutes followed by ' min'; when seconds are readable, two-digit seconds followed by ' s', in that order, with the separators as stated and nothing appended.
12 h 25 min
